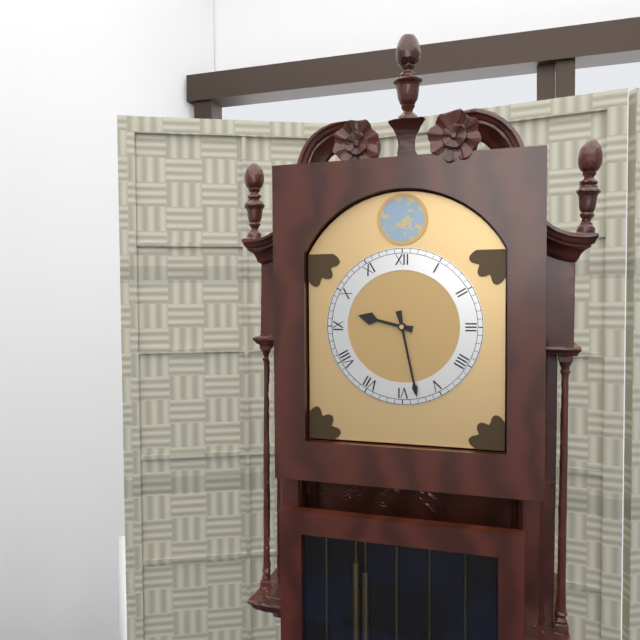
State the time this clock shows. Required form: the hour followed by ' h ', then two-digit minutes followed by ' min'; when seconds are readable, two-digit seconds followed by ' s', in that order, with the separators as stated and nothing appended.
9 h 28 min
